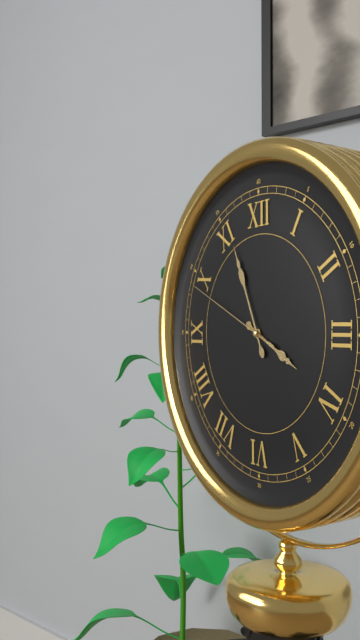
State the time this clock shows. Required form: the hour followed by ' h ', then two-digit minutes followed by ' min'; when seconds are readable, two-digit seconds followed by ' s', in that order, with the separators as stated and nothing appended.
3 h 56 min 49 s
